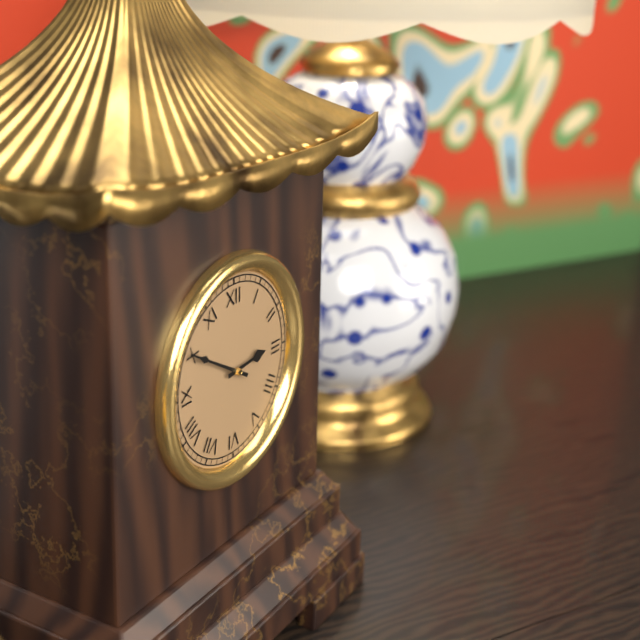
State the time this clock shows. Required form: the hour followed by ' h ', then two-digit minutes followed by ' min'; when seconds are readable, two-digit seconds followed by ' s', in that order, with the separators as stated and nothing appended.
2 h 50 min
